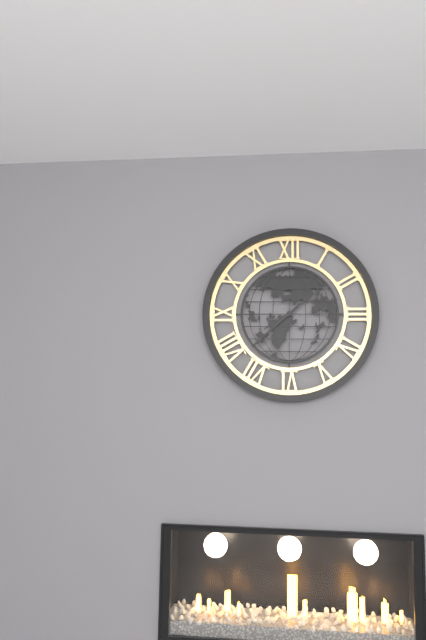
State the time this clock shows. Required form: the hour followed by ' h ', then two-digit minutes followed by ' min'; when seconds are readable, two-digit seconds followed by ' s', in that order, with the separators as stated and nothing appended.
1 h 38 min
